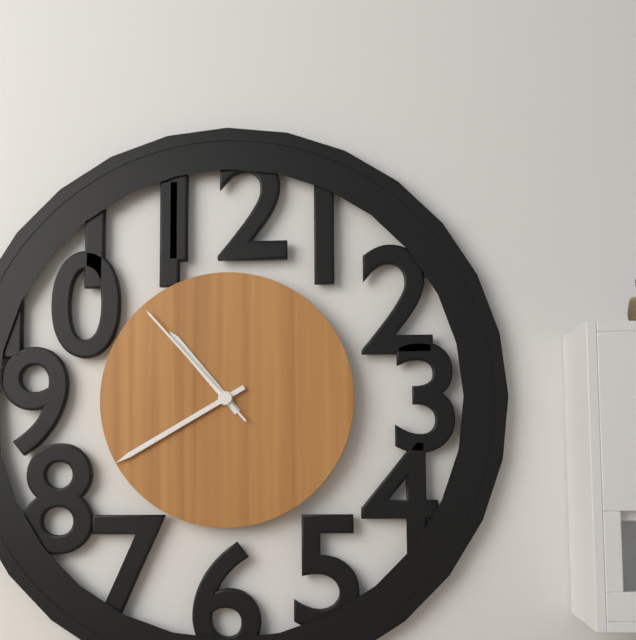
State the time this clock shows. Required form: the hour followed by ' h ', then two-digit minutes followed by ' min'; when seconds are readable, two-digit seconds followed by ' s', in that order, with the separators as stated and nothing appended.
10 h 40 min 53 s
